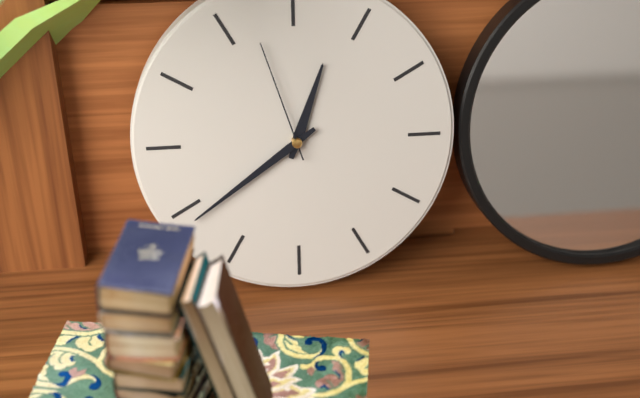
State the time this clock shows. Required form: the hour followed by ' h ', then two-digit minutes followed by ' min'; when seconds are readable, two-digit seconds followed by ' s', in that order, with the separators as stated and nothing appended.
12 h 39 min 57 s
